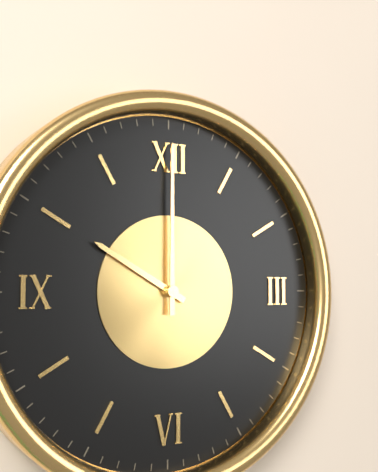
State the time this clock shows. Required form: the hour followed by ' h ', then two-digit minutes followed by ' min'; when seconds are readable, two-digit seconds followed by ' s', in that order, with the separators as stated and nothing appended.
10 h 00 min
